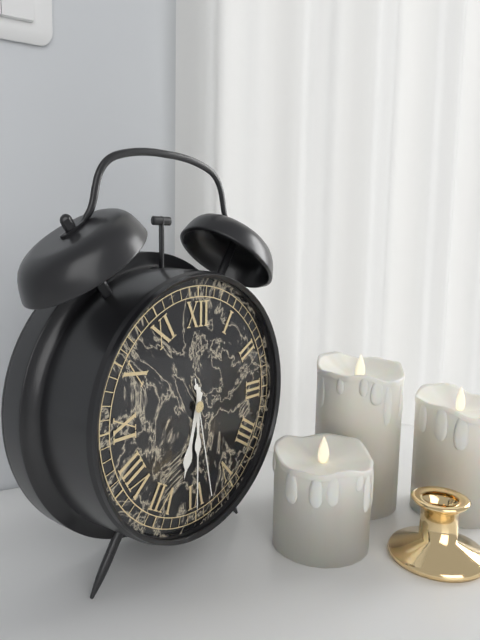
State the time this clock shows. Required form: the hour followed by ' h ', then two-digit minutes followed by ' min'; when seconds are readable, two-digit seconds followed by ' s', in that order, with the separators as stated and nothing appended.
6 h 30 min 28 s
